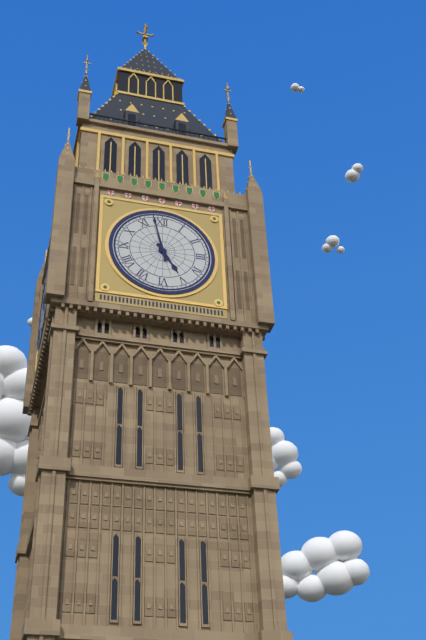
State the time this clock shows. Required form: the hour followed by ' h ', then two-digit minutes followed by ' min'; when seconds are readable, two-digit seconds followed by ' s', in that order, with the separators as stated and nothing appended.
4 h 58 min
